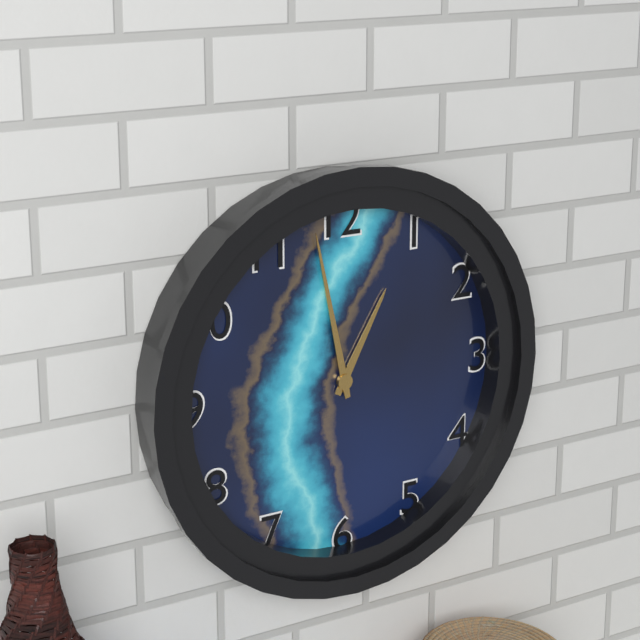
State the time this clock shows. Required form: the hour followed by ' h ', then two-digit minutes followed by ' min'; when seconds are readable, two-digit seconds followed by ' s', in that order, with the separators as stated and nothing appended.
12 h 58 min
